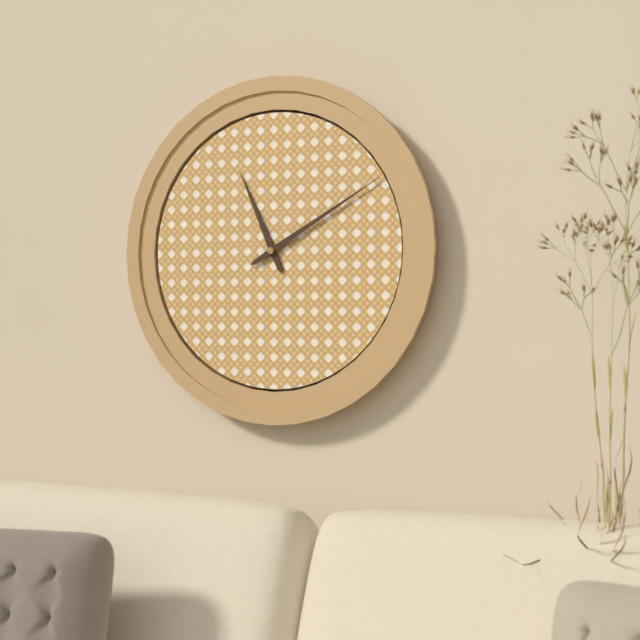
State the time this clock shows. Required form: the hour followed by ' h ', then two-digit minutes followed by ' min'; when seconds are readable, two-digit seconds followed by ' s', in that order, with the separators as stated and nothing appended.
11 h 10 min
